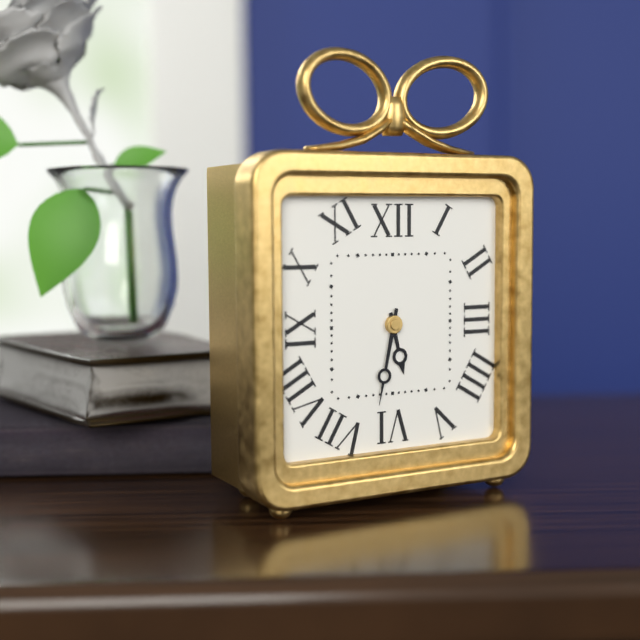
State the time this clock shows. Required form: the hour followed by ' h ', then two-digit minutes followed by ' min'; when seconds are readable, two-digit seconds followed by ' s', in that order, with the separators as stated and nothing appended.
5 h 32 min
